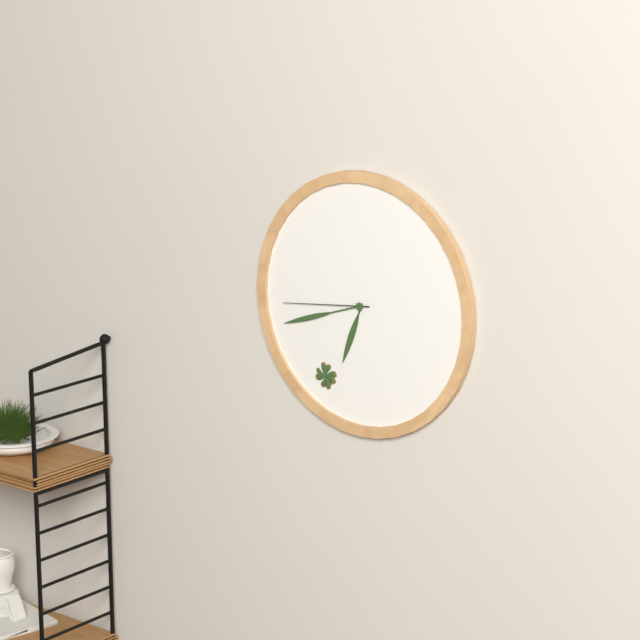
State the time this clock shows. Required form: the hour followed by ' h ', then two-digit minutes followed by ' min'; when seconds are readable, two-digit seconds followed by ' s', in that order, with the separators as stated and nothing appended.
6 h 42 min 44 s
